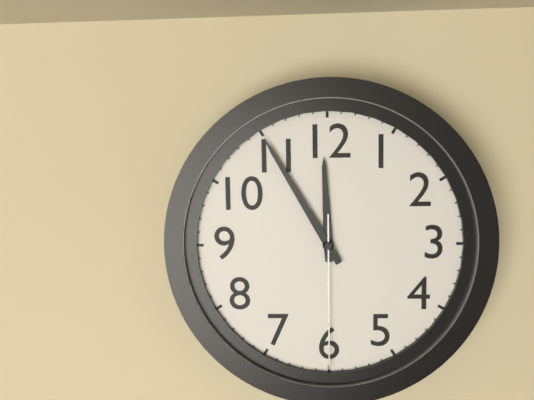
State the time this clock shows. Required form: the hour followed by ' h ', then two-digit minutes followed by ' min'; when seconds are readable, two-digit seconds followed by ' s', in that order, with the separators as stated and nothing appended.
11 h 55 min 30 s
